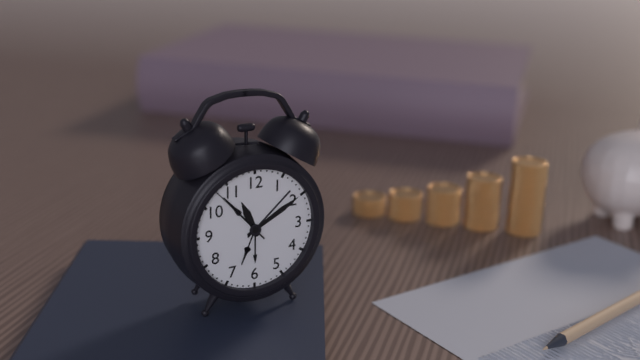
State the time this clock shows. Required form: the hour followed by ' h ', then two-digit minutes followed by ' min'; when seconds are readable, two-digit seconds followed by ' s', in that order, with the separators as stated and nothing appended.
11 h 10 min 53 s
